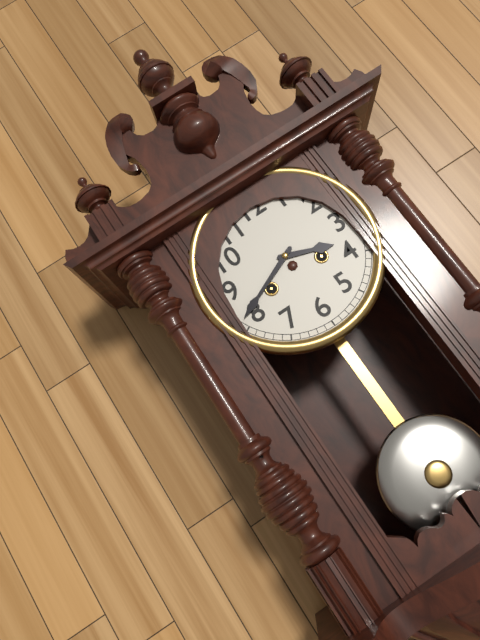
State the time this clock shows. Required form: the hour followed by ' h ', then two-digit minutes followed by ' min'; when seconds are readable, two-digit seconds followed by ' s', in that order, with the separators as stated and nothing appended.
3 h 41 min
